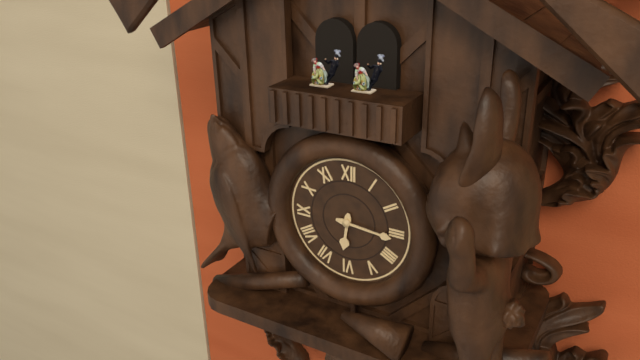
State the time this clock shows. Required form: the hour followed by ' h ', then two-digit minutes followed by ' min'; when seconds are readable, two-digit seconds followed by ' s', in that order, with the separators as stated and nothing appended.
6 h 16 min
